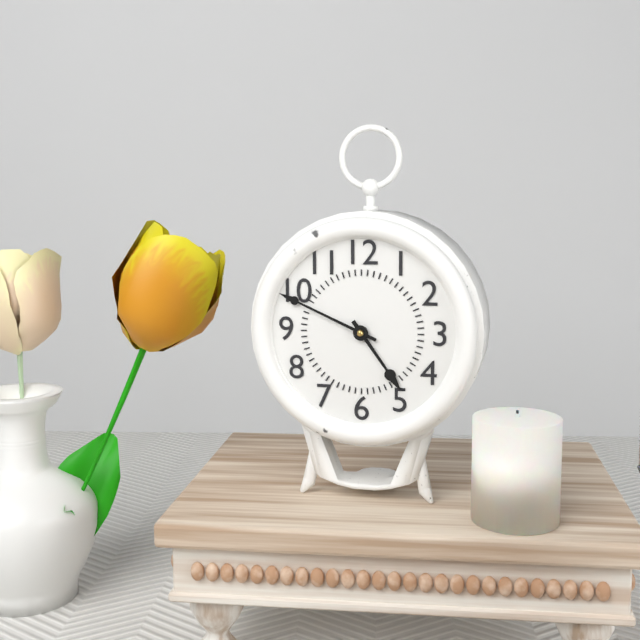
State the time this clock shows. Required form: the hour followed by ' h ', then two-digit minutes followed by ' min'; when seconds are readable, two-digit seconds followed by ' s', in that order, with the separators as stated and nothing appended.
4 h 49 min
